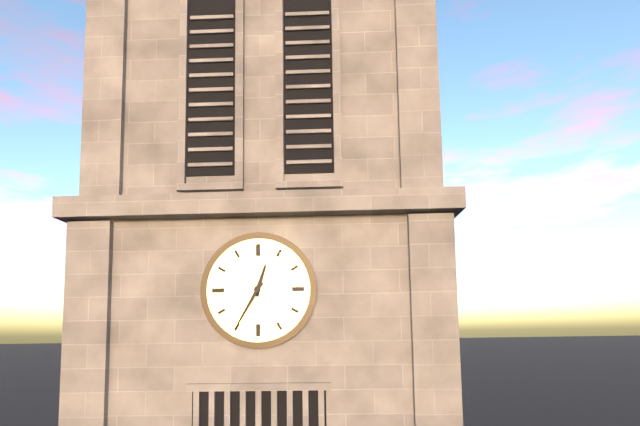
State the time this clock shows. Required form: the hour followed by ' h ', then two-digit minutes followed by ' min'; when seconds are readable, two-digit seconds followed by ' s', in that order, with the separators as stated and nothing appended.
12 h 35 min
